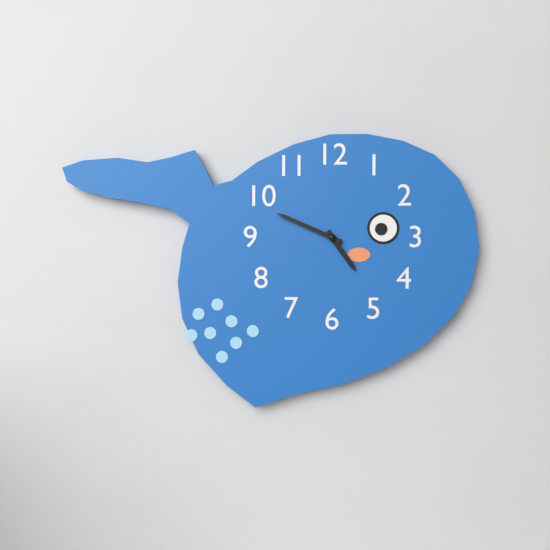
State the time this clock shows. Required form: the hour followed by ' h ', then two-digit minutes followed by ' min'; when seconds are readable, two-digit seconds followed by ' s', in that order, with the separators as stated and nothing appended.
4 h 49 min
